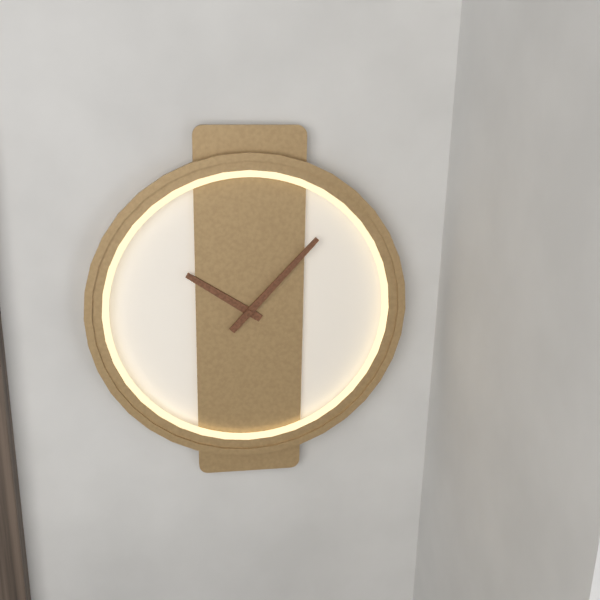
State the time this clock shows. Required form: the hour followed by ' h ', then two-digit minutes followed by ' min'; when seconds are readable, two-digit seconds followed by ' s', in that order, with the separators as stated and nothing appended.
10 h 07 min
